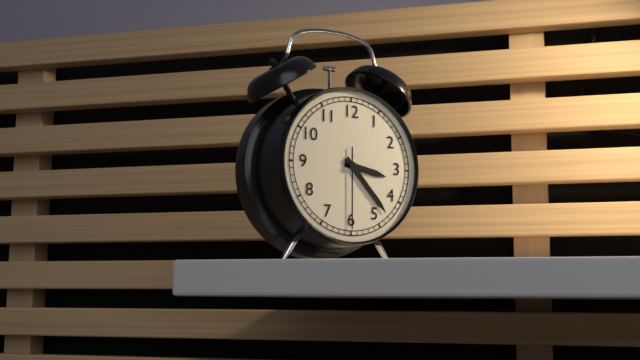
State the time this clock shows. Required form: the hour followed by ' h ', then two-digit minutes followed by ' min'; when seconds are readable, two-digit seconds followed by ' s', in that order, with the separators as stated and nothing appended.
3 h 23 min 30 s
